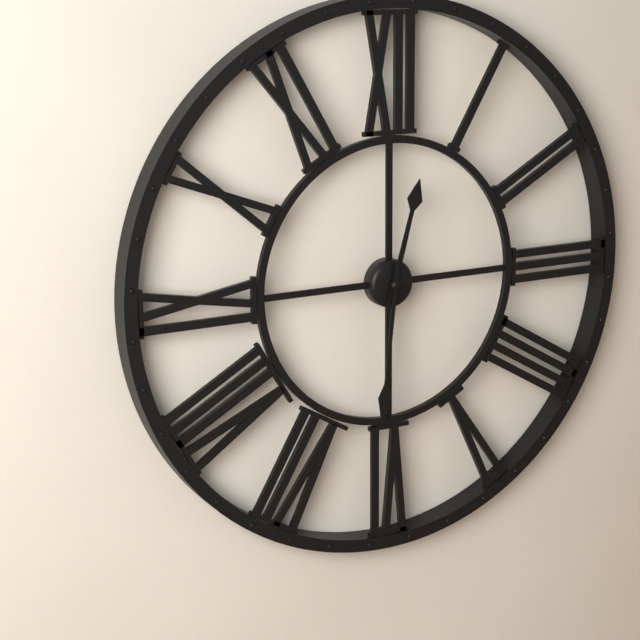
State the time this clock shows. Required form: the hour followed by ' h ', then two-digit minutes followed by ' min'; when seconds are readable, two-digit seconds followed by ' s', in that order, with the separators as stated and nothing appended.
12 h 31 min
